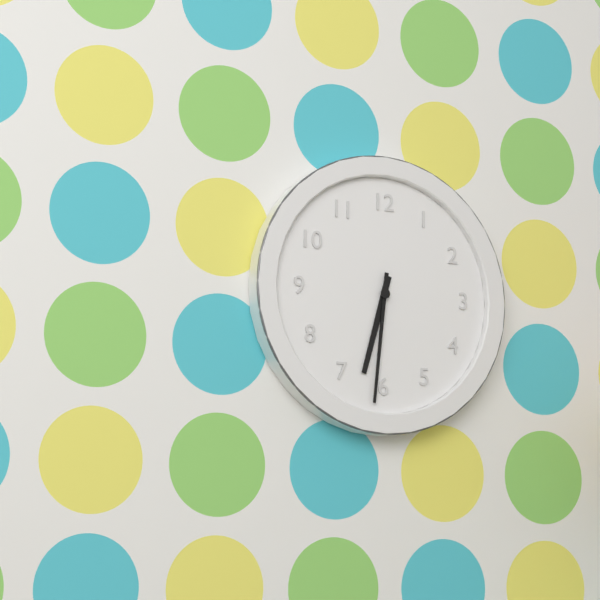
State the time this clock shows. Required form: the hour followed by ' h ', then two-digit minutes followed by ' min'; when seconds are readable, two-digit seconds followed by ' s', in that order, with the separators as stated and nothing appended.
6 h 31 min
